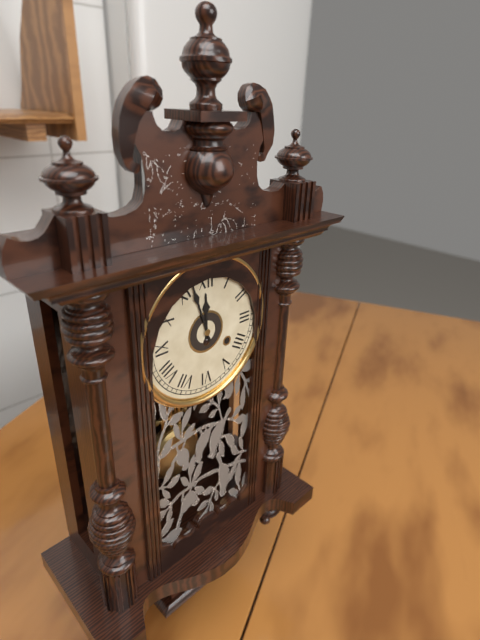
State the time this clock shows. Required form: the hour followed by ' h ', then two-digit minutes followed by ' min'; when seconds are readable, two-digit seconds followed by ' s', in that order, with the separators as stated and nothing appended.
11 h 57 min
